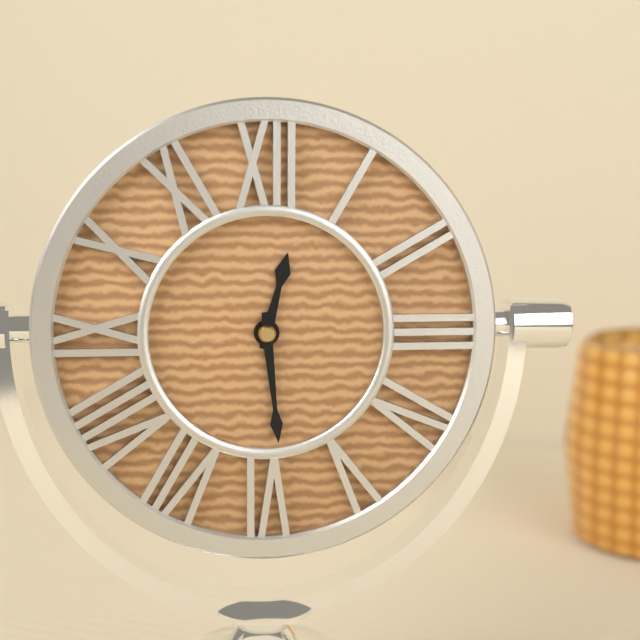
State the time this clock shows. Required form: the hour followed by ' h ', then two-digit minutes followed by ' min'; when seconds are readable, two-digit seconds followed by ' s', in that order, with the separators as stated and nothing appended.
12 h 29 min
